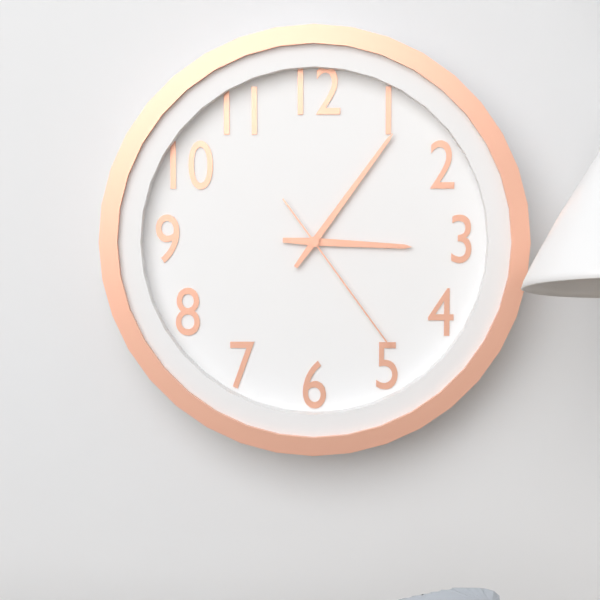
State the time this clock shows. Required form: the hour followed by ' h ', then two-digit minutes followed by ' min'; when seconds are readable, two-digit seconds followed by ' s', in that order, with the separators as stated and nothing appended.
3 h 06 min 24 s
